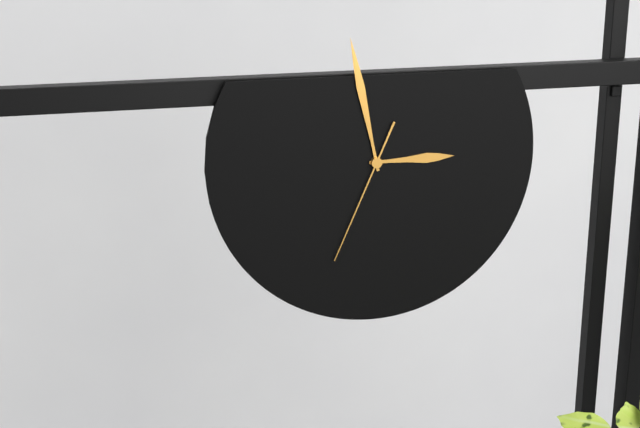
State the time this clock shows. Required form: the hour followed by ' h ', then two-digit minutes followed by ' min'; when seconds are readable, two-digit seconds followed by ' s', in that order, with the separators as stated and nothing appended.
2 h 58 min 34 s
